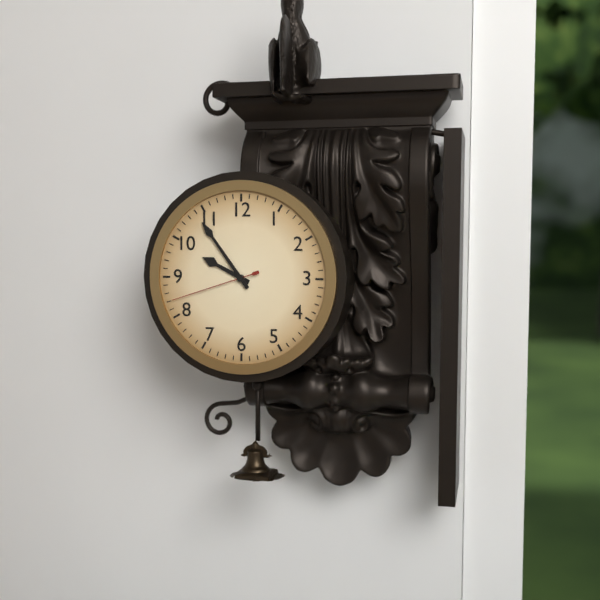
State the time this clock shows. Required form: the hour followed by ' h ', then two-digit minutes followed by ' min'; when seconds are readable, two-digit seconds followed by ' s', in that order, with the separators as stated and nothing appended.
9 h 54 min 42 s
